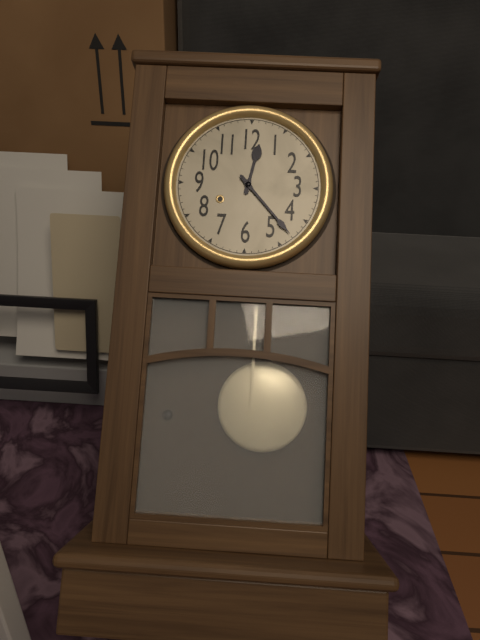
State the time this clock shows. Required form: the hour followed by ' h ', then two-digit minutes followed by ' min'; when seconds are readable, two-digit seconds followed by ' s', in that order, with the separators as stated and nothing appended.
12 h 23 min
